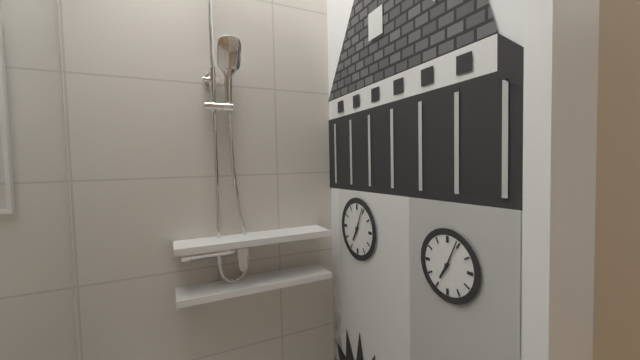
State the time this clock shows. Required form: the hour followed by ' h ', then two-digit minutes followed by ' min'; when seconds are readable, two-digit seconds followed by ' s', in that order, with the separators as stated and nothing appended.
7 h 04 min
